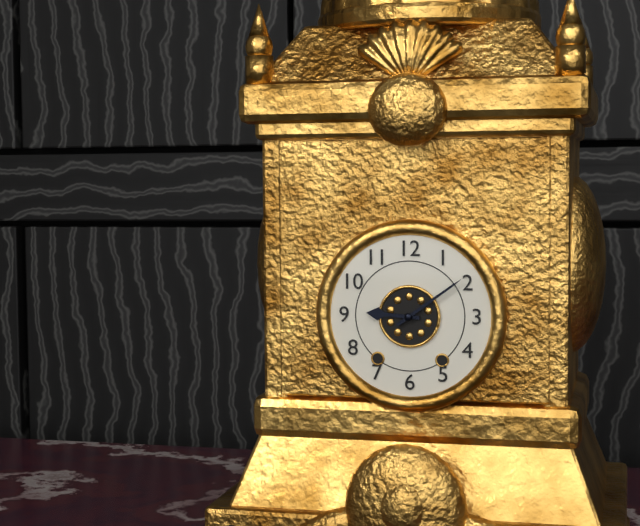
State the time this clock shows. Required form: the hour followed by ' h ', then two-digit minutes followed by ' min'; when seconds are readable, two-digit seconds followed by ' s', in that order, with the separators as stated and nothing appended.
9 h 09 min
